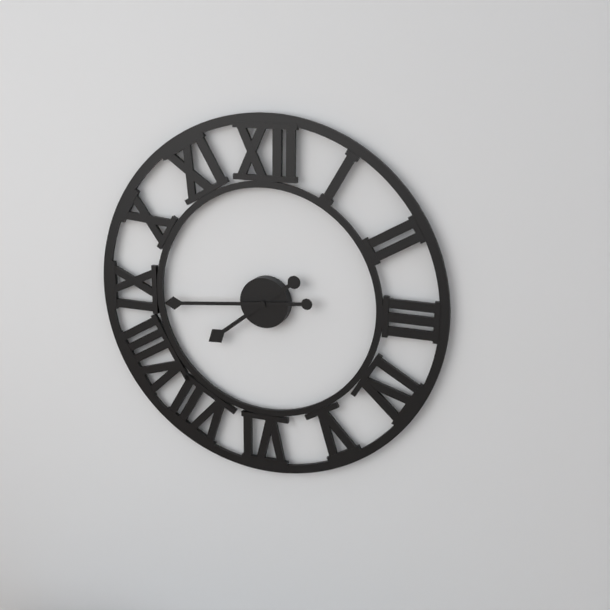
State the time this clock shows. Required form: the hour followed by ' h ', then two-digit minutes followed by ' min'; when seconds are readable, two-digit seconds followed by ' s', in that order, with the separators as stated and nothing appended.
7 h 44 min
